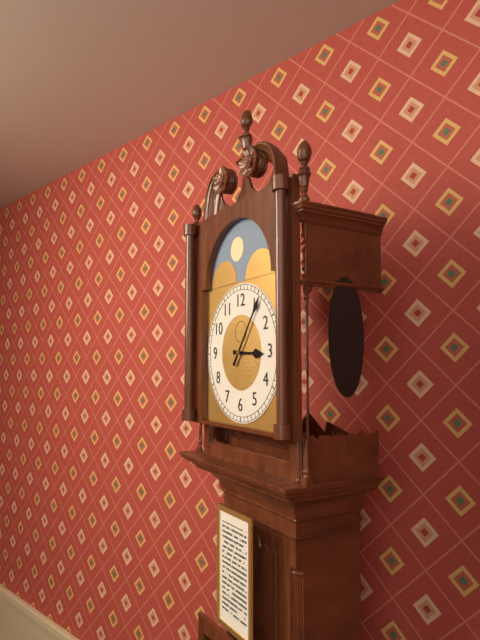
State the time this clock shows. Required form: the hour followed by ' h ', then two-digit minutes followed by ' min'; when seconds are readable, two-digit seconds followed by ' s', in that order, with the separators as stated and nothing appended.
3 h 06 min
